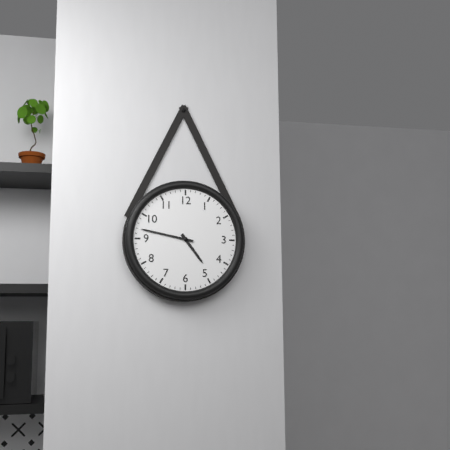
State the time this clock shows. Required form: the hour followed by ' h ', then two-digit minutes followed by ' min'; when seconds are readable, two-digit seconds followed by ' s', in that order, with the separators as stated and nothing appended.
4 h 47 min
